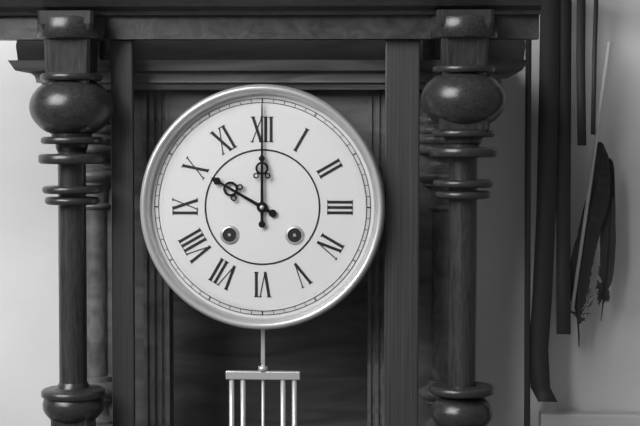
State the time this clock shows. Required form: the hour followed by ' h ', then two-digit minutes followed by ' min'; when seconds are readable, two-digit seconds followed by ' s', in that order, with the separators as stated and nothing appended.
10 h 00 min
